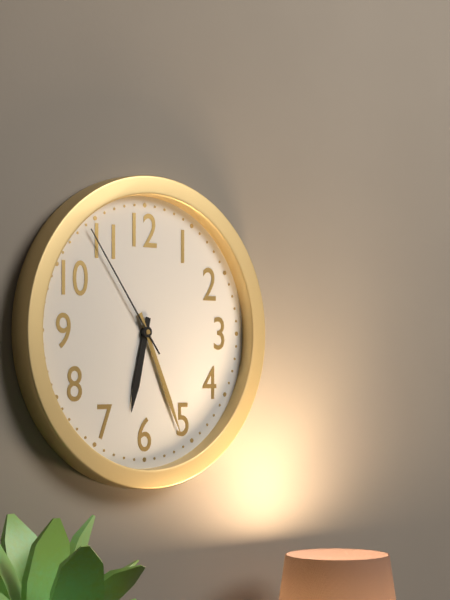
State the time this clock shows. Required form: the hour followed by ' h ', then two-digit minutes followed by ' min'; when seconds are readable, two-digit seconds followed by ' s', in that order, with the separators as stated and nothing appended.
6 h 26 min 54 s
